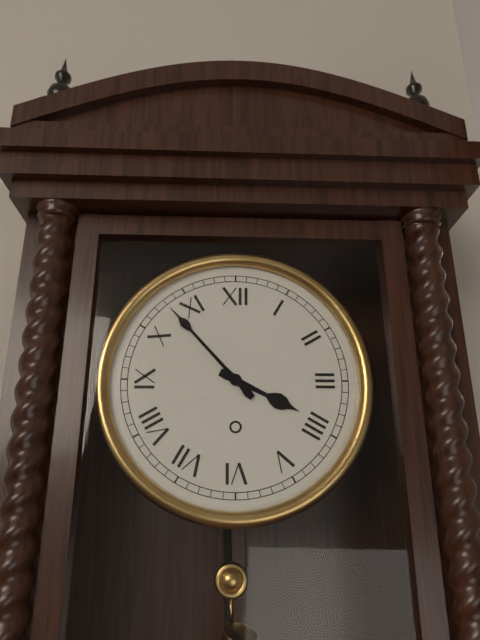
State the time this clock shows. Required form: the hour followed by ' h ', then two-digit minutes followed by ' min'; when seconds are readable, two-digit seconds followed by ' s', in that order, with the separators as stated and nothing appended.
3 h 53 min
